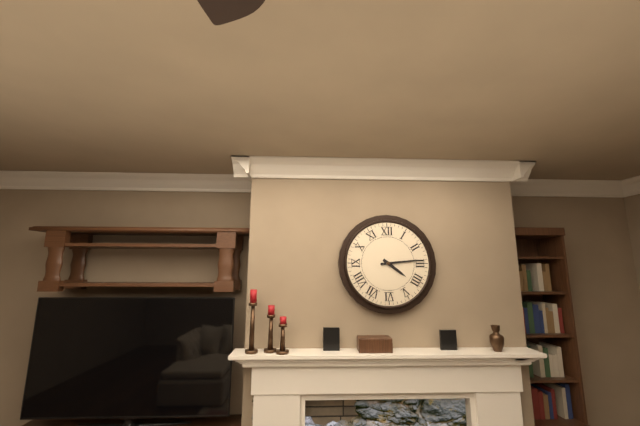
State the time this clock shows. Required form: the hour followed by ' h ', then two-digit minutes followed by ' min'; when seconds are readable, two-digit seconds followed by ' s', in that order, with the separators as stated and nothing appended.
4 h 14 min
